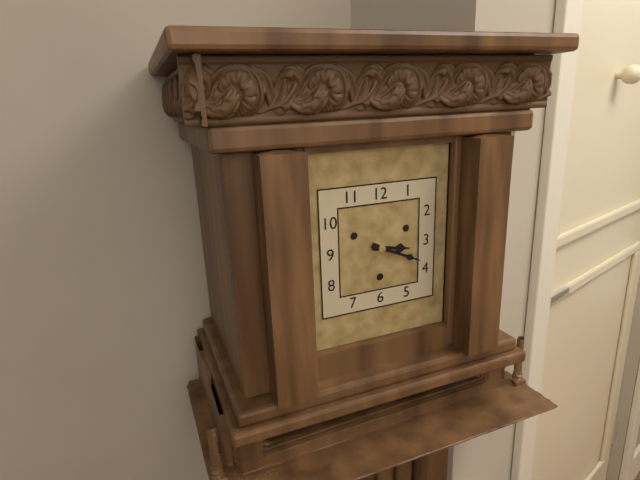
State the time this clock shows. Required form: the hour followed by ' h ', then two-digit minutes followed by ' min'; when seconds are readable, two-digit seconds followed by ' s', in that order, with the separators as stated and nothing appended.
3 h 19 min
